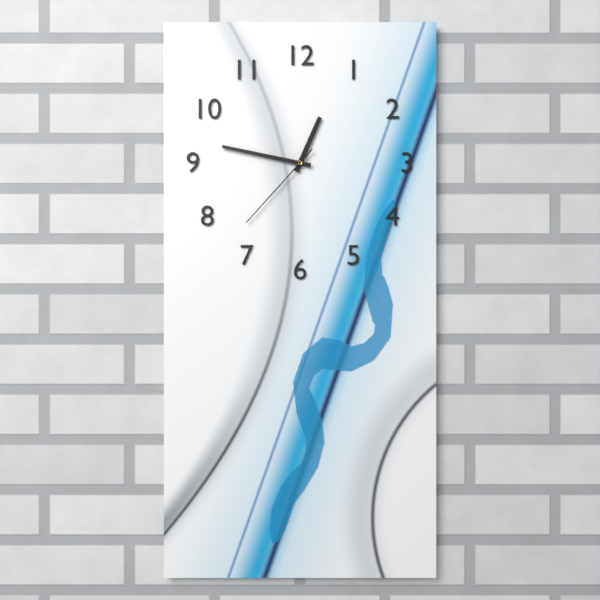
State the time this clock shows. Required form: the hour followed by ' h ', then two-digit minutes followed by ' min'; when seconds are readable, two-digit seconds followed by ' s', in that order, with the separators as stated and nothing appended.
12 h 47 min 37 s
